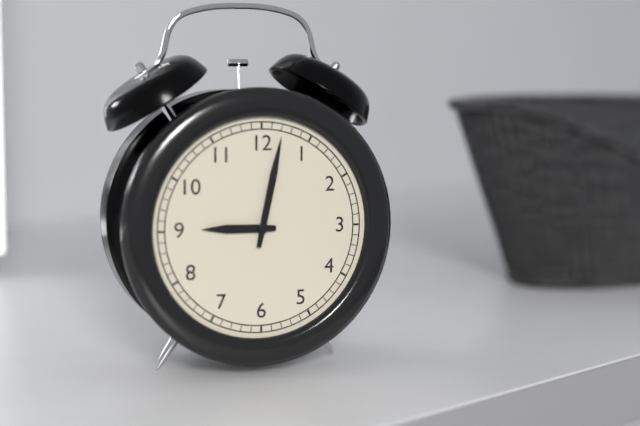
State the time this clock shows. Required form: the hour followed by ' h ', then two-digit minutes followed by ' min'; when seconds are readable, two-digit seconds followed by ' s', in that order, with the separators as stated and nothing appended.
9 h 02 min
